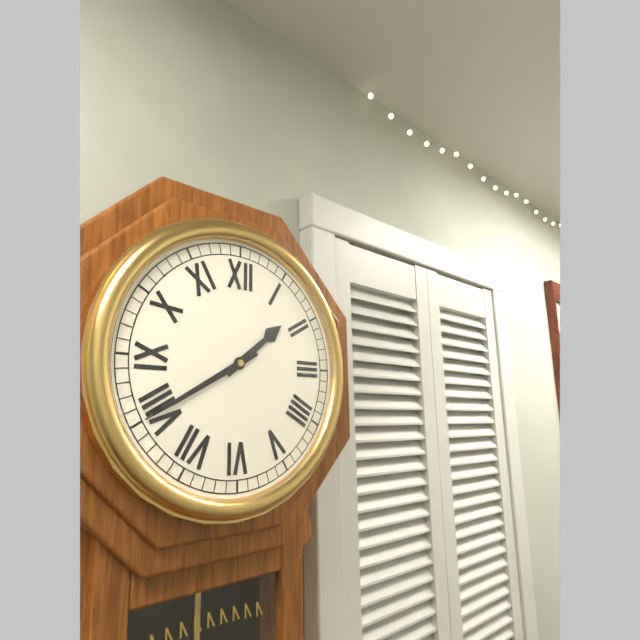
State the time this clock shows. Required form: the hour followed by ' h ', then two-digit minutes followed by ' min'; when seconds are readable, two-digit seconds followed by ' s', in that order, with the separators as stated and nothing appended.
1 h 40 min
